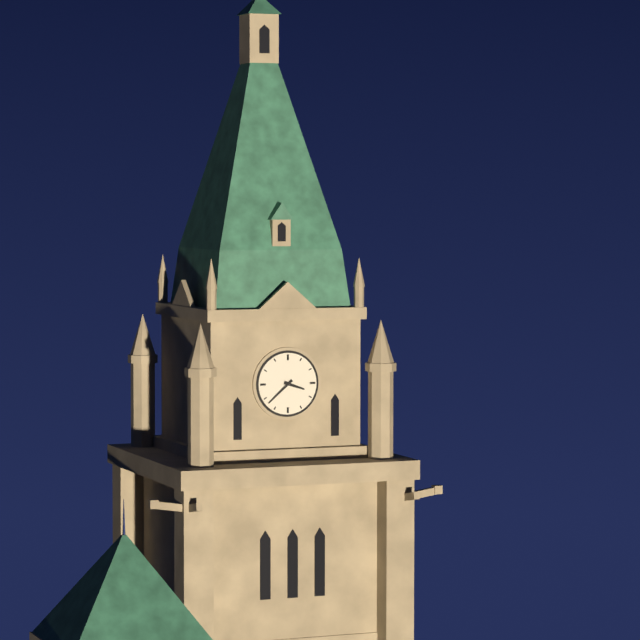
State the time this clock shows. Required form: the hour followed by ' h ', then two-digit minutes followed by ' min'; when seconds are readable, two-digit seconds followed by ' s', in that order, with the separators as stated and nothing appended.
3 h 38 min
